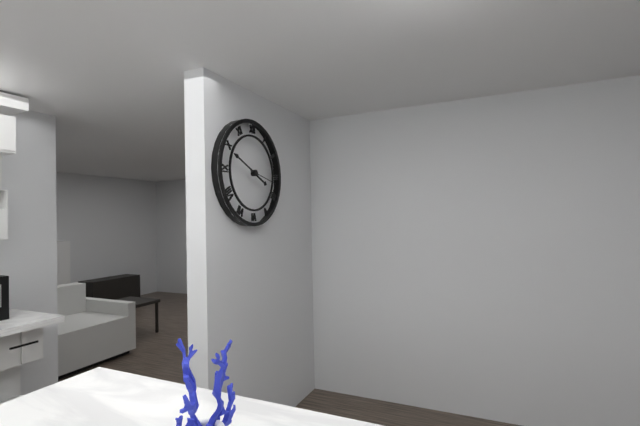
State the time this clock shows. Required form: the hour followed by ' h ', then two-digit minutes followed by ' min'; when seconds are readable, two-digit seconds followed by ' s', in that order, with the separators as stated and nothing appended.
3 h 49 min
